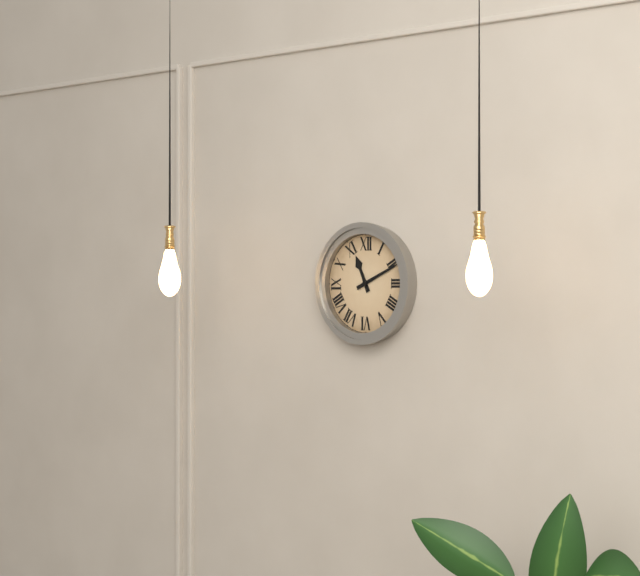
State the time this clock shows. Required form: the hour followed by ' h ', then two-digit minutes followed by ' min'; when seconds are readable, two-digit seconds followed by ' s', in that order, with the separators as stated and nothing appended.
11 h 11 min
